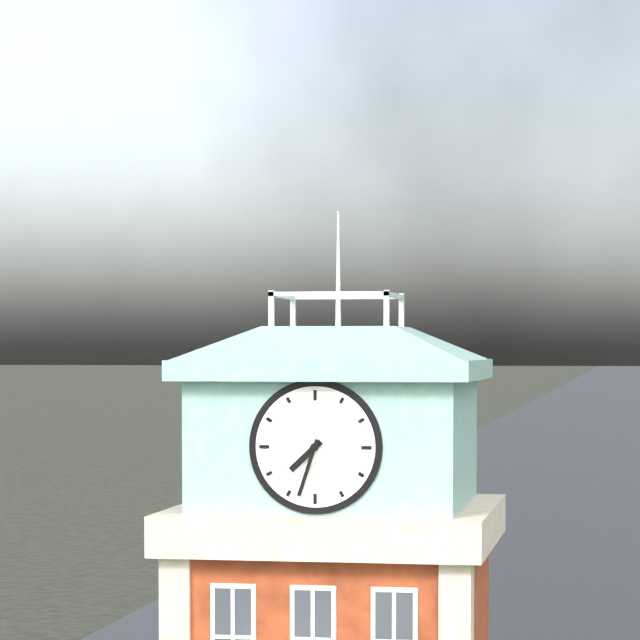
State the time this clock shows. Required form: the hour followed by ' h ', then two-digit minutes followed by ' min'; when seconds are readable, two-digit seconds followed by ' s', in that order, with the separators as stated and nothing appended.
7 h 33 min
